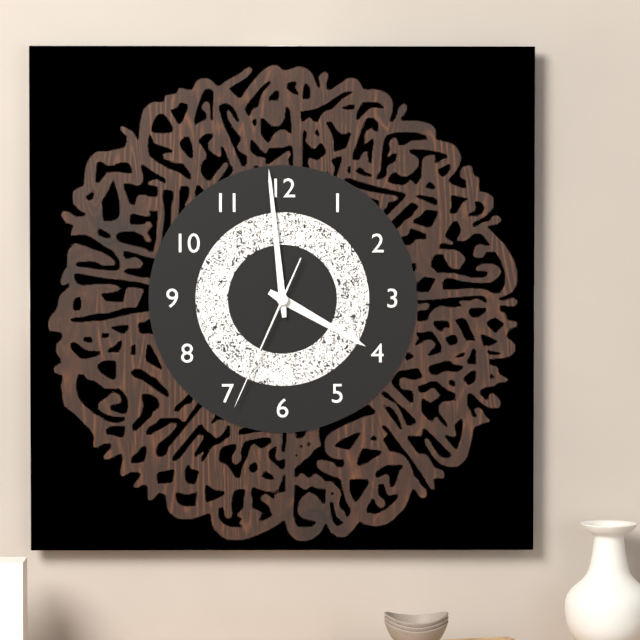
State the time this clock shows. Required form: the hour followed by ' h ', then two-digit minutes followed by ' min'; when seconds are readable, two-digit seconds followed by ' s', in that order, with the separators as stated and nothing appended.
3 h 59 min 34 s
